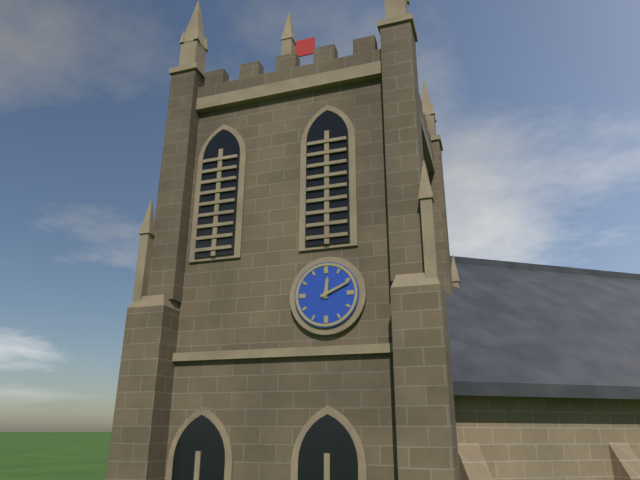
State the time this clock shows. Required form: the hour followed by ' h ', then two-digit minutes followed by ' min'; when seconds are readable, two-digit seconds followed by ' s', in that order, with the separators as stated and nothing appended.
12 h 11 min
